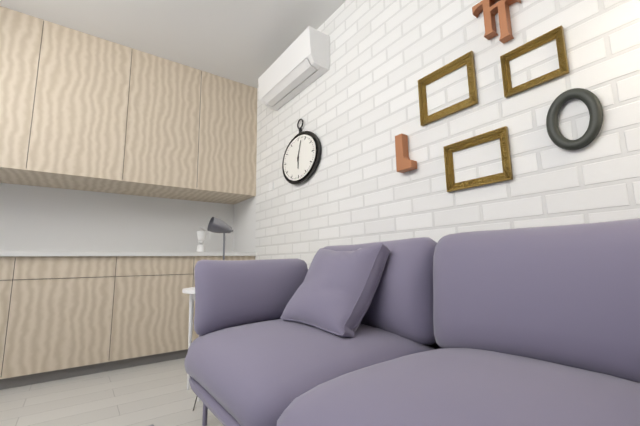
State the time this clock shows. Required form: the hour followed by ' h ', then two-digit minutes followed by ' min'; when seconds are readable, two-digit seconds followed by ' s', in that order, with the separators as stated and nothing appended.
6 h 03 min
